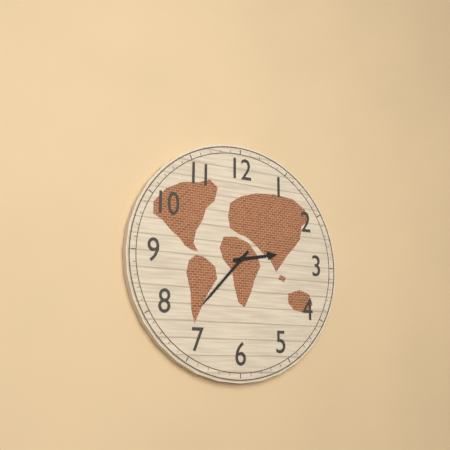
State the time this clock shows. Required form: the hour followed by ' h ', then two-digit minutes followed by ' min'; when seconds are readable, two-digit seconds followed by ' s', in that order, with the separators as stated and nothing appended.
2 h 37 min
